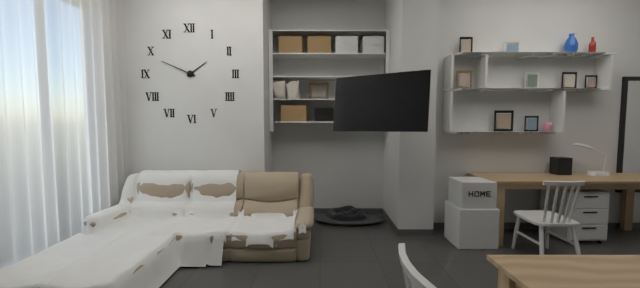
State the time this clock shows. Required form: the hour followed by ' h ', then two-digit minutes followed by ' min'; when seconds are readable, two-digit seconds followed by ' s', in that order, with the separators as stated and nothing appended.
1 h 49 min
